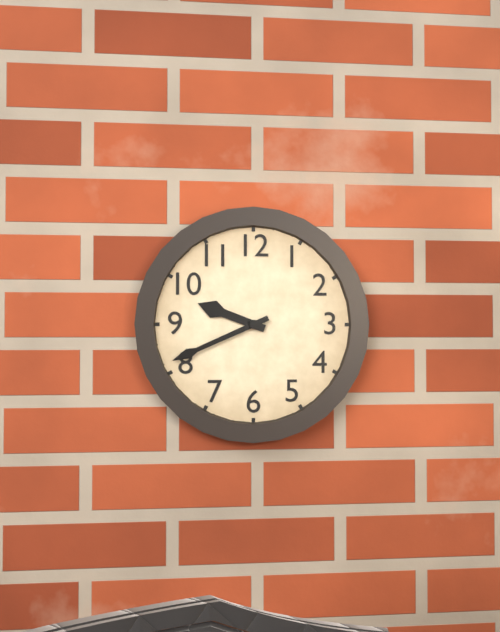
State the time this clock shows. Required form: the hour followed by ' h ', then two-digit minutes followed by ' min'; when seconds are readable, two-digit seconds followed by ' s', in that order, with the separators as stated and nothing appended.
9 h 41 min
